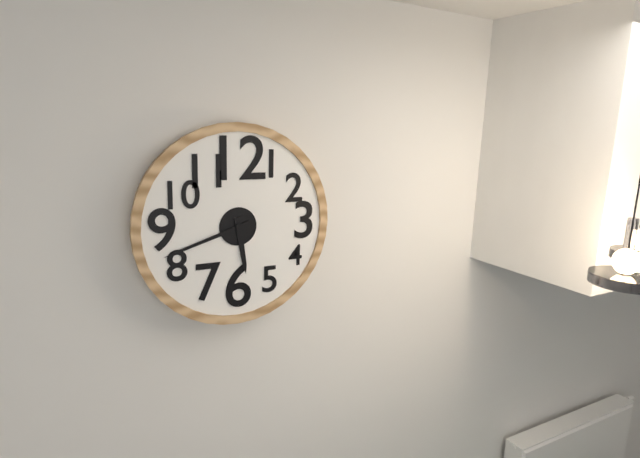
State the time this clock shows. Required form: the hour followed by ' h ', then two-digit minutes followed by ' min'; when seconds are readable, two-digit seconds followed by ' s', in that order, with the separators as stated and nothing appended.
5 h 42 min
